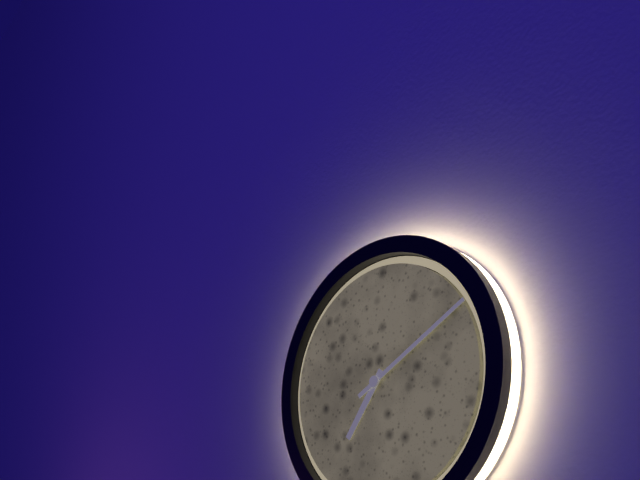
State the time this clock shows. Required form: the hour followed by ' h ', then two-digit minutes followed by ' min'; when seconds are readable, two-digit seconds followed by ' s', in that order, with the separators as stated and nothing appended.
7 h 10 min
